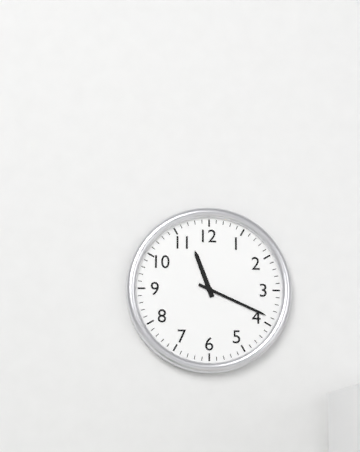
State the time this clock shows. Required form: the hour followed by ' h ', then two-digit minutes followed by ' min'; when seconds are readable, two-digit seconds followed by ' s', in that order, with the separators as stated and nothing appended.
11 h 19 min
